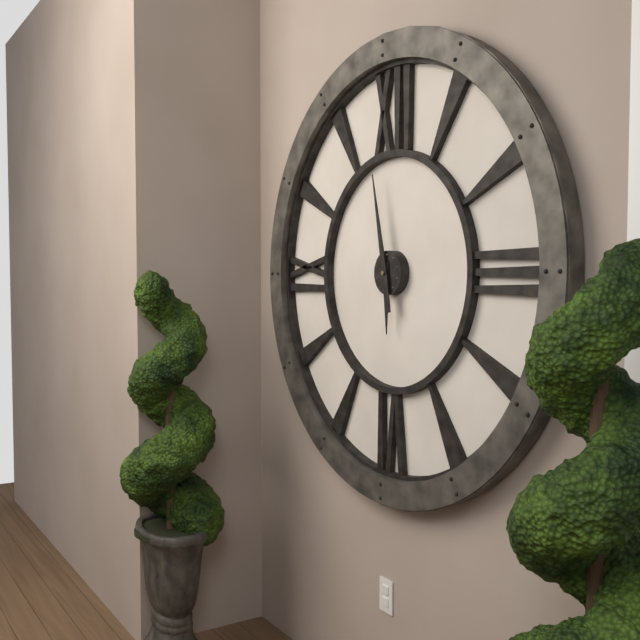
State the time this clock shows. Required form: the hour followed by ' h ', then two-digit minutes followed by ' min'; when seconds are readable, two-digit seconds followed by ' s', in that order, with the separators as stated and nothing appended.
5 h 58 min
